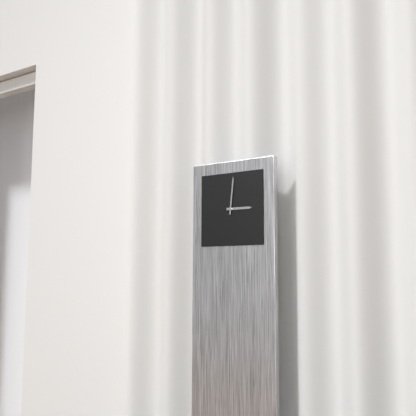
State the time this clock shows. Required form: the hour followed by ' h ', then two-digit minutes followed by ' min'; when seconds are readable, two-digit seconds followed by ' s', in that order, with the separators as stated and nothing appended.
3 h 01 min
